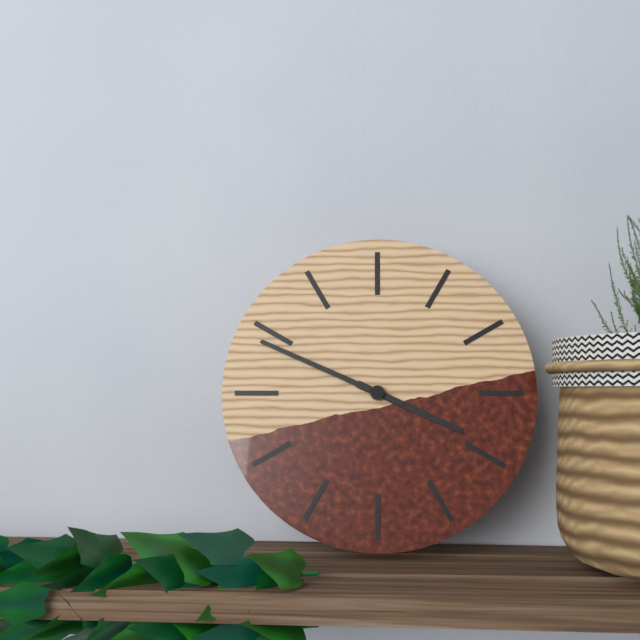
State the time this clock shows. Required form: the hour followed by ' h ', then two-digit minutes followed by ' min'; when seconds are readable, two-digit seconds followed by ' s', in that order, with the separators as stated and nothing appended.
3 h 49 min
